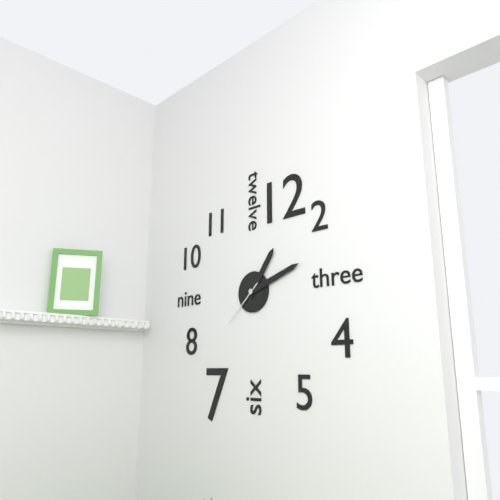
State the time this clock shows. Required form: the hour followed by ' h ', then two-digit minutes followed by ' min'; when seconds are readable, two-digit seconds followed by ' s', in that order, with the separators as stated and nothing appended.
1 h 12 min 38 s
